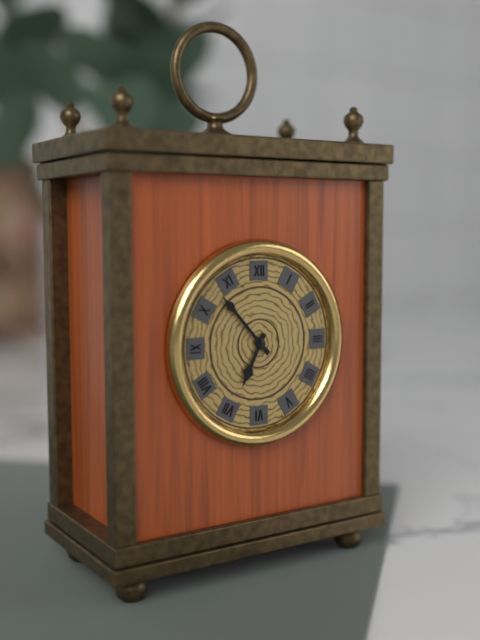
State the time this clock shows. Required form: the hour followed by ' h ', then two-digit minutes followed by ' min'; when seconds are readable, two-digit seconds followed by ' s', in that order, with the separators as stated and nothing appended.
6 h 53 min
